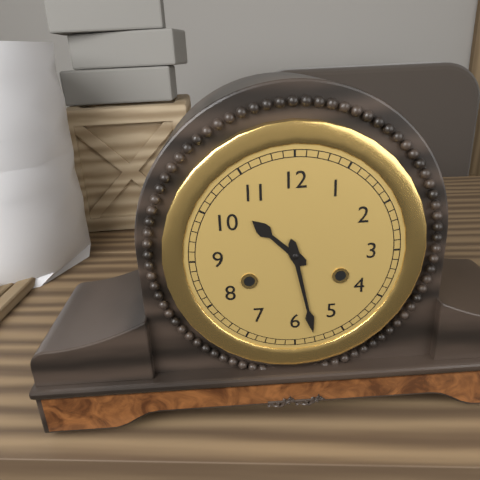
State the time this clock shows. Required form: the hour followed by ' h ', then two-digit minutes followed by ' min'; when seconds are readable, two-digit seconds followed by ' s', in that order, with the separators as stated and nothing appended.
10 h 28 min
